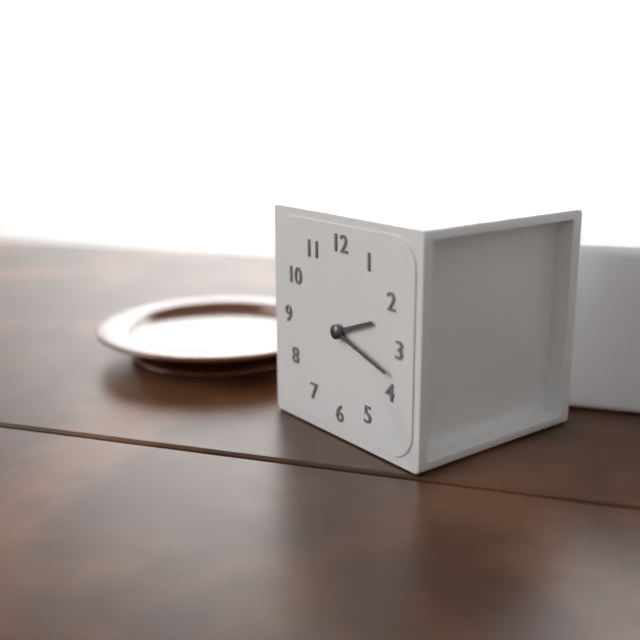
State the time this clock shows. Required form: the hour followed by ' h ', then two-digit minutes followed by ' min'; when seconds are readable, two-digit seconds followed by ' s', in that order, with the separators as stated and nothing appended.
2 h 18 min
